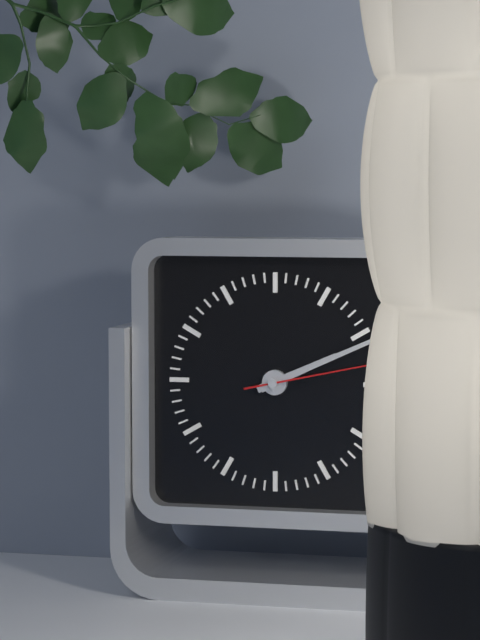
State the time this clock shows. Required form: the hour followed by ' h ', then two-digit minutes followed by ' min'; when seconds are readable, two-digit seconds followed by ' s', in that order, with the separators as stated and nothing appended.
2 h 11 min 13 s
